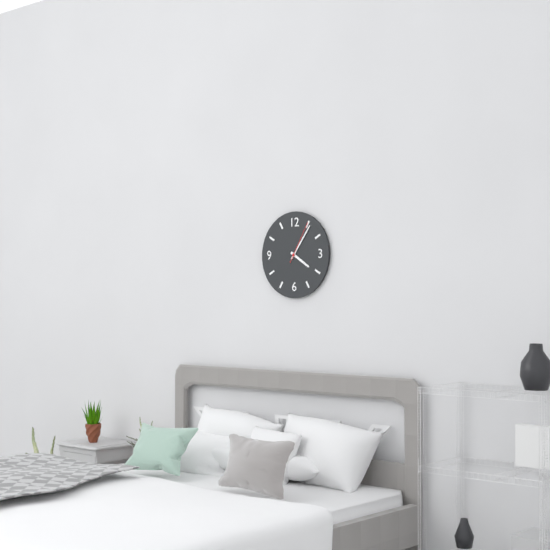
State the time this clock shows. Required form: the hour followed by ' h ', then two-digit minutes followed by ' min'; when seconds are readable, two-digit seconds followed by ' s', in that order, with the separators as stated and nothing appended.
4 h 06 min
